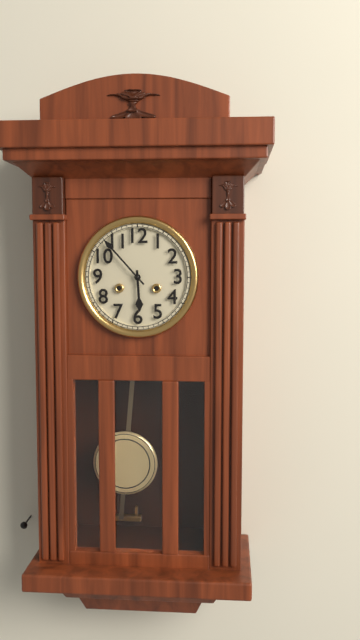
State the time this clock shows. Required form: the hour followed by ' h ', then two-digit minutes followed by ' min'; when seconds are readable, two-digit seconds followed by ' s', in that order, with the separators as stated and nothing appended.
5 h 53 min
